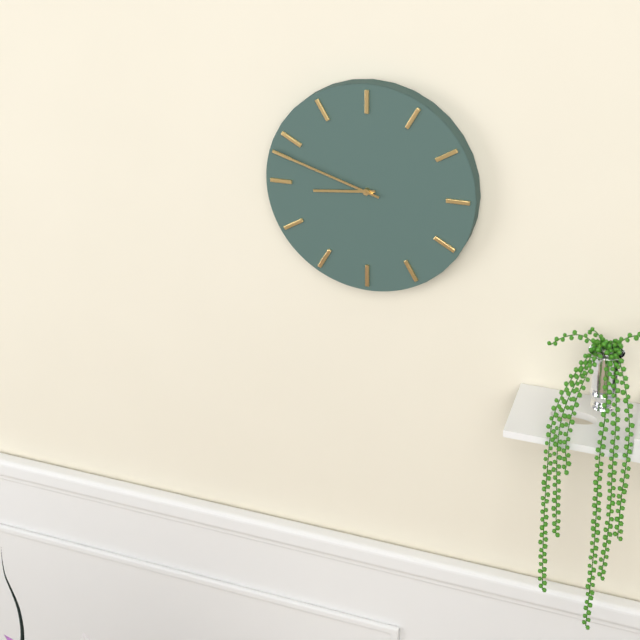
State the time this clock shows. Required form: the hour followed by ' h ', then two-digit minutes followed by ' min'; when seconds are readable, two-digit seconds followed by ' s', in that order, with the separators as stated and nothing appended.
8 h 48 min
